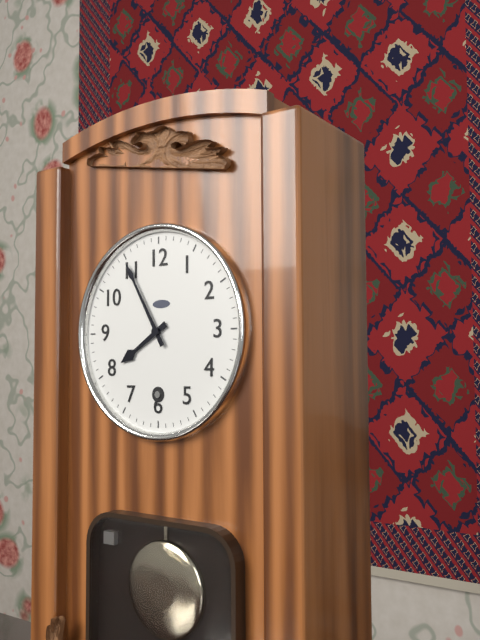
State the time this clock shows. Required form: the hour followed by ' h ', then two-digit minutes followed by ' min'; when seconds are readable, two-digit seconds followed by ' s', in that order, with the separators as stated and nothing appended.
7 h 55 min
